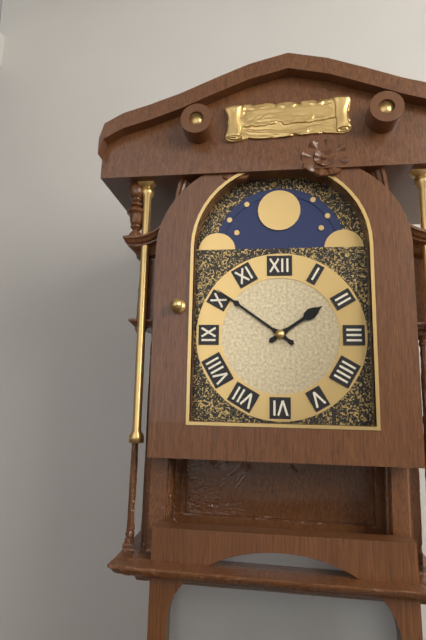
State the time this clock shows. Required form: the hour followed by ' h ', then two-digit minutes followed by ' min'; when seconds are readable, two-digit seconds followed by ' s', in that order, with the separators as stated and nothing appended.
1 h 51 min
